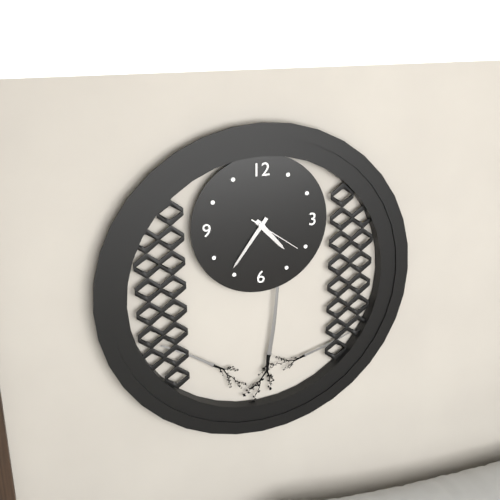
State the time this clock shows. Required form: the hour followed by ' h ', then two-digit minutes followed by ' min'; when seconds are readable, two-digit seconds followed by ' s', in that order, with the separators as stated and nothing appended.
4 h 36 min 21 s
